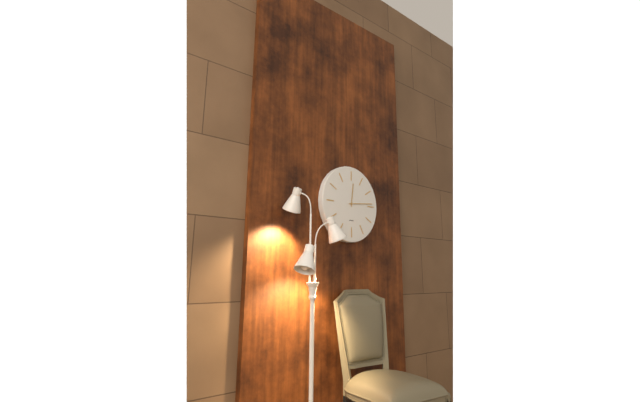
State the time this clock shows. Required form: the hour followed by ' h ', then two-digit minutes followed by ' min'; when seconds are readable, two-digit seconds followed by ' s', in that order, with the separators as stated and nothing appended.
12 h 14 min
